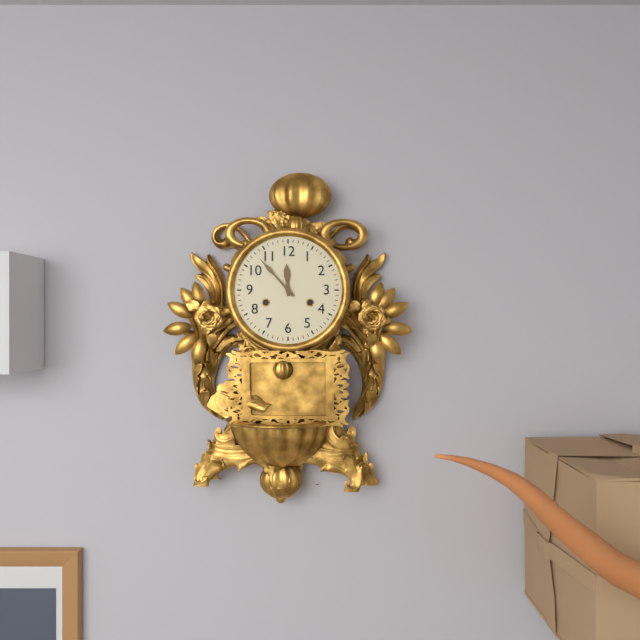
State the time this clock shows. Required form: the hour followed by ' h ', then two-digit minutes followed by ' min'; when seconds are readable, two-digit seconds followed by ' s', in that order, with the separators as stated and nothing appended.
11 h 53 min
